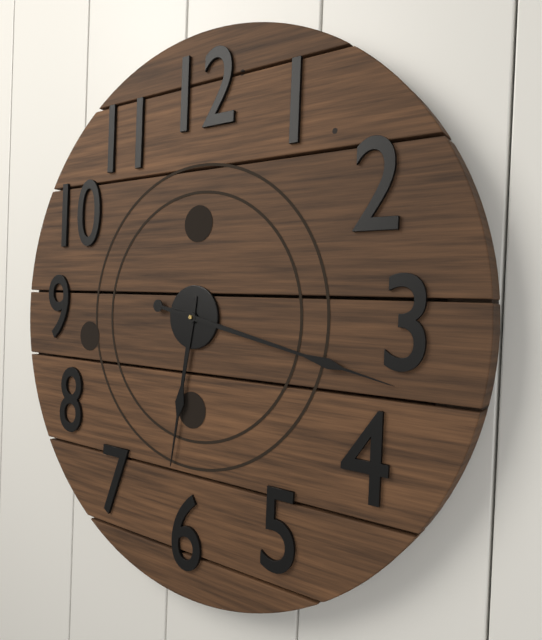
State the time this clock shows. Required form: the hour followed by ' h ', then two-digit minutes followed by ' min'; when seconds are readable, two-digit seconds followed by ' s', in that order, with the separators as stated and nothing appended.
6 h 17 min
